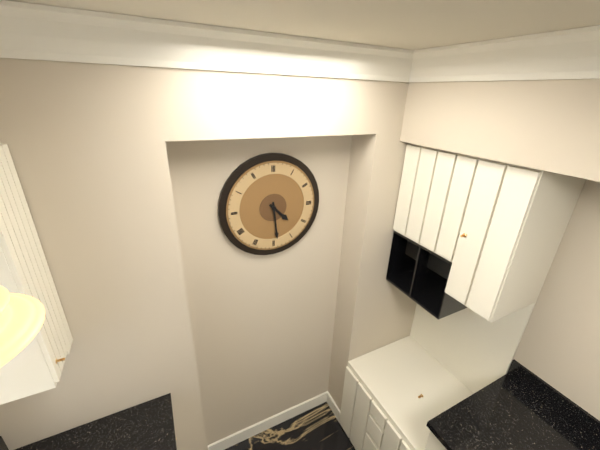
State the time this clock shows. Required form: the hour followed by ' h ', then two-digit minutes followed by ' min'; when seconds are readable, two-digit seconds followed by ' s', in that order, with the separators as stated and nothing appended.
4 h 29 min
